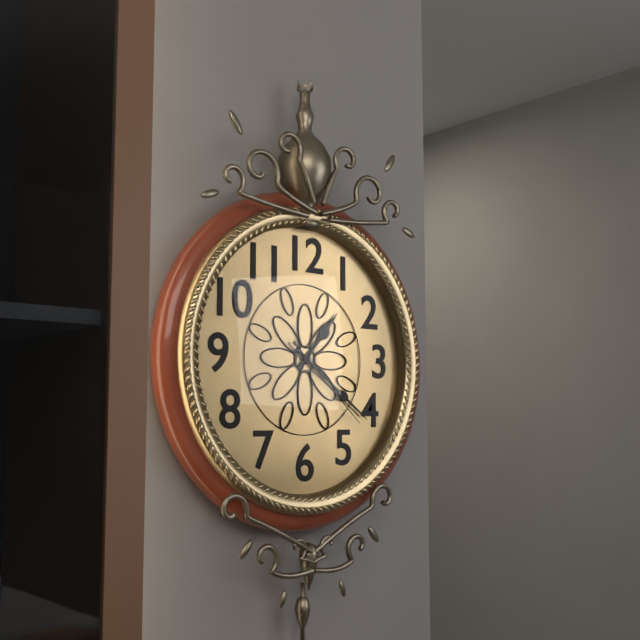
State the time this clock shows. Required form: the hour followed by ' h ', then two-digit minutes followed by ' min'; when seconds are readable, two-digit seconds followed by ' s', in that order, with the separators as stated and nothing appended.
1 h 21 min 22 s
